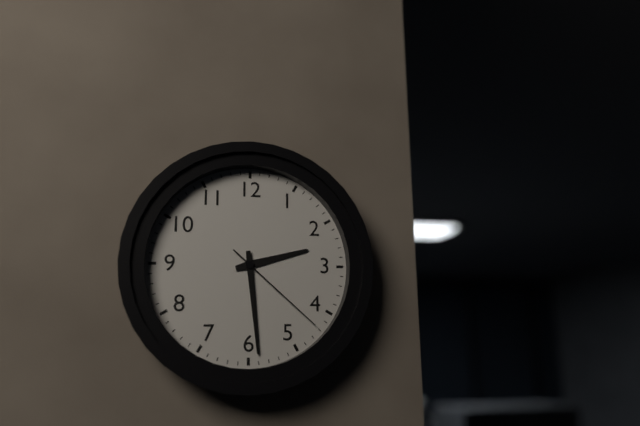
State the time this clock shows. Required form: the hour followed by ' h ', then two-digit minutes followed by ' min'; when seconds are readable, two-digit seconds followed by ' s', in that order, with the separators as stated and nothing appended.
2 h 29 min 22 s
